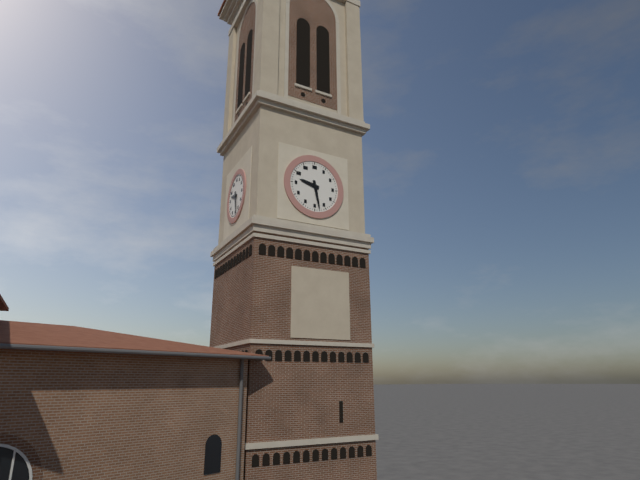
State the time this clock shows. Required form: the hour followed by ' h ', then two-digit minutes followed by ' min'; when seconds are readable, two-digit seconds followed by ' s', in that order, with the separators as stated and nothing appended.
9 h 28 min
